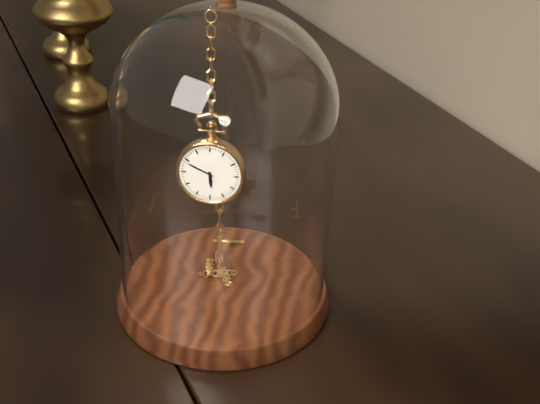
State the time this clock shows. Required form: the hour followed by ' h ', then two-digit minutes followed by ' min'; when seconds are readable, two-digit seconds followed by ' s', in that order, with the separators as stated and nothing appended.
5 h 49 min
